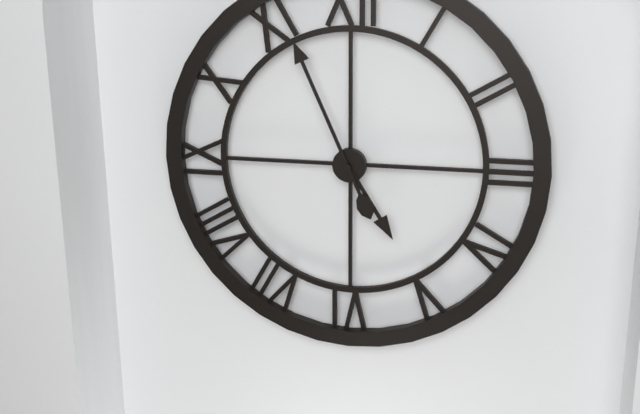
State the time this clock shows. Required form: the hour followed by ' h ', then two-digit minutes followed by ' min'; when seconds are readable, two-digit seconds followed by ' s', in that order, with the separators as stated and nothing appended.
4 h 56 min
